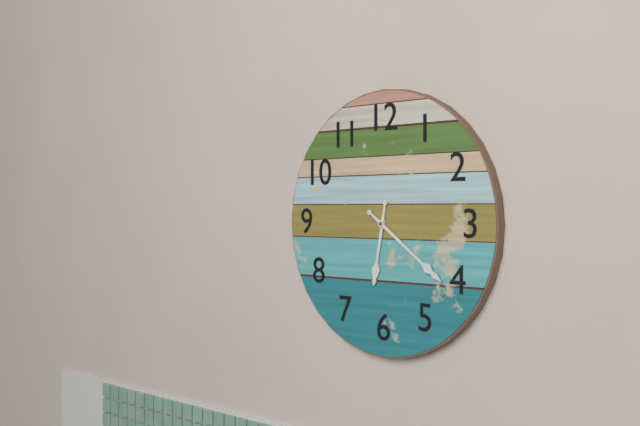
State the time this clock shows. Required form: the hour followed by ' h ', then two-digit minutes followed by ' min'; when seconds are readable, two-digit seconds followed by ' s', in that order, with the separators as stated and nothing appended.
6 h 21 min
